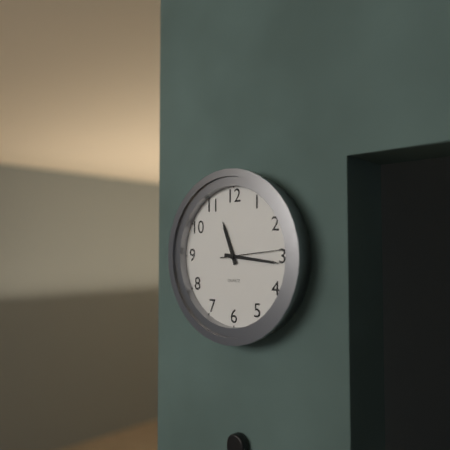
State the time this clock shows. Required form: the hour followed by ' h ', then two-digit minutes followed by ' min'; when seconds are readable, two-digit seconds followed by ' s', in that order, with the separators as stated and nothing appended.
11 h 16 min 14 s
